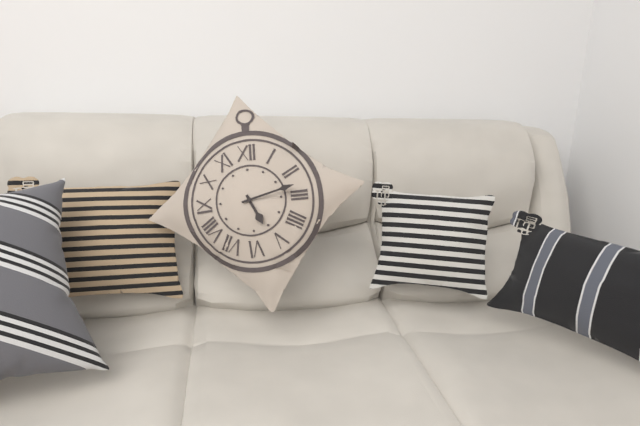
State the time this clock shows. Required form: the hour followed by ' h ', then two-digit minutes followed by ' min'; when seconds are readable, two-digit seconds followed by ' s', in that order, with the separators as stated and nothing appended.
5 h 13 min
